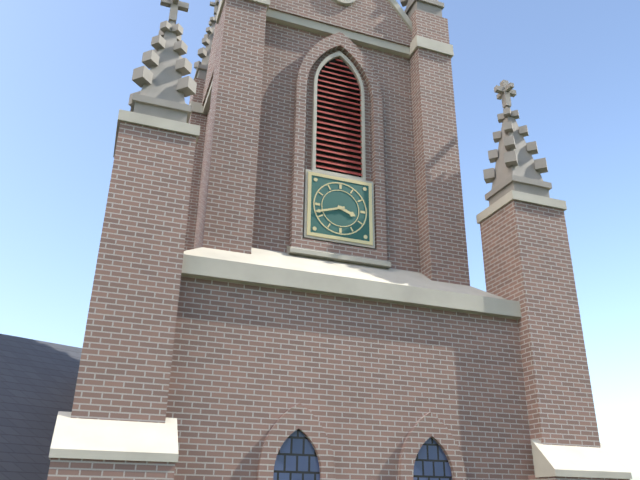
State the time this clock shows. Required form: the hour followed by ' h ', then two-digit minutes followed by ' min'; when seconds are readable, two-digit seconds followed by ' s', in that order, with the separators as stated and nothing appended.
3 h 42 min
